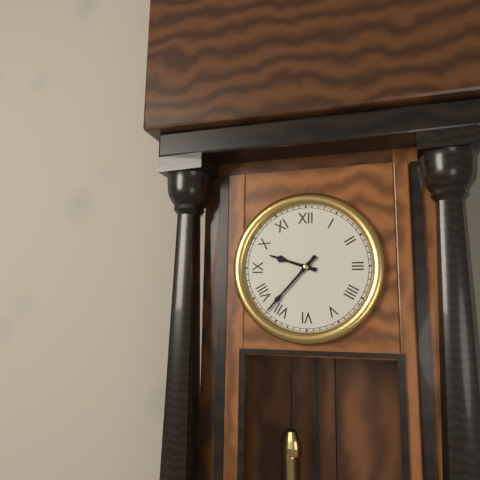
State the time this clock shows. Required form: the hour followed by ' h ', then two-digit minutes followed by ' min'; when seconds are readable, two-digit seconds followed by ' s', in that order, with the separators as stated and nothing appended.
9 h 37 min
